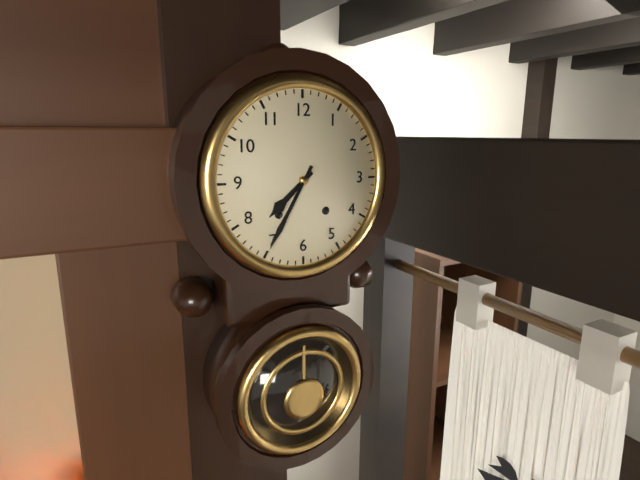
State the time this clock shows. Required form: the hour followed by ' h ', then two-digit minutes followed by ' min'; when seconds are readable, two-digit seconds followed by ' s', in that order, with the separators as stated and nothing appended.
7 h 35 min
